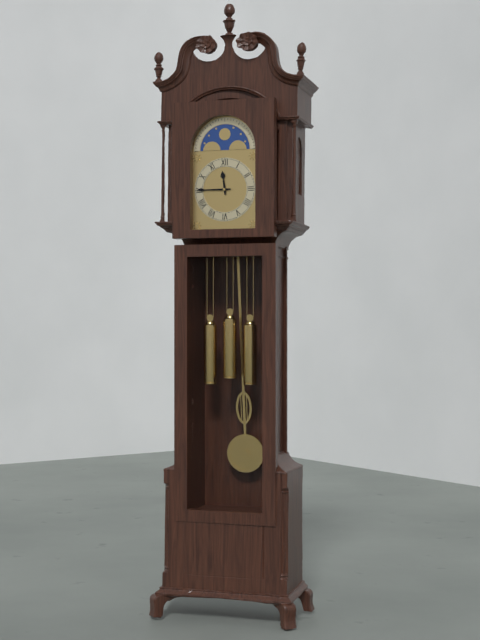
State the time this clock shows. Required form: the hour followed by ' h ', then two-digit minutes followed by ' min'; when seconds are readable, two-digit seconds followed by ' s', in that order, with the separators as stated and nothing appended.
11 h 45 min
